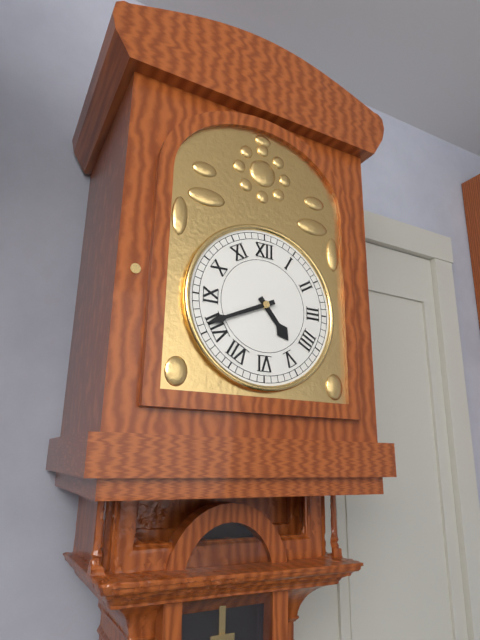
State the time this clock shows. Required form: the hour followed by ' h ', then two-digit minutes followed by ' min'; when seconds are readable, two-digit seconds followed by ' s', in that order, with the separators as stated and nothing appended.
4 h 41 min
